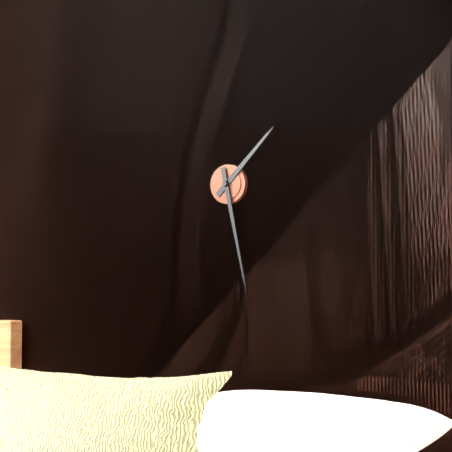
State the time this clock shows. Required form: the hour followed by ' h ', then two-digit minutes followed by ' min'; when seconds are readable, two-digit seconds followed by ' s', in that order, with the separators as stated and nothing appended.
1 h 28 min
